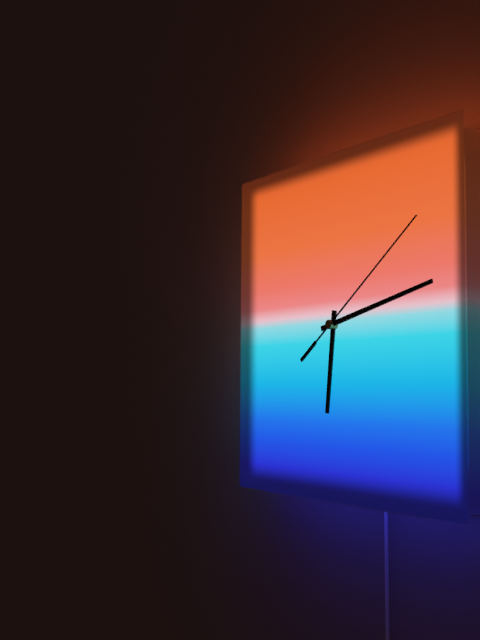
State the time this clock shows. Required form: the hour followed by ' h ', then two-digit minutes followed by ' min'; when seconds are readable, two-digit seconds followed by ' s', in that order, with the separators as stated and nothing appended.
6 h 13 min 09 s
